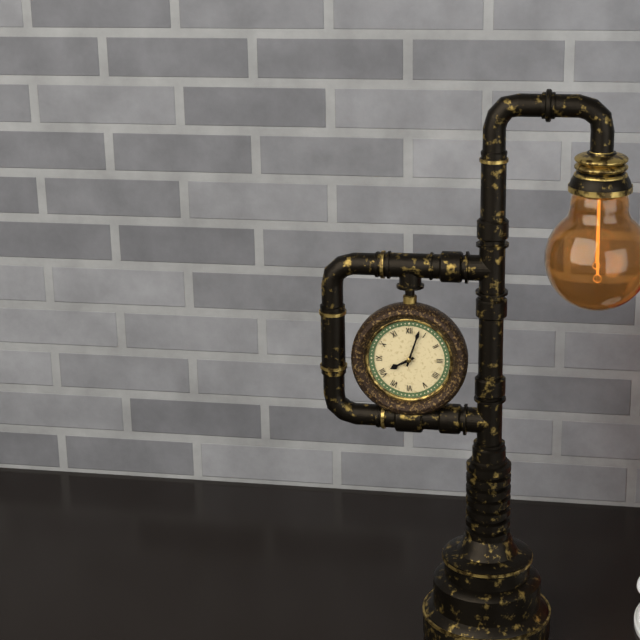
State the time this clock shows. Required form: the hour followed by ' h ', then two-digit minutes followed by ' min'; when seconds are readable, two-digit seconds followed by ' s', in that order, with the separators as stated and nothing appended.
8 h 03 min
